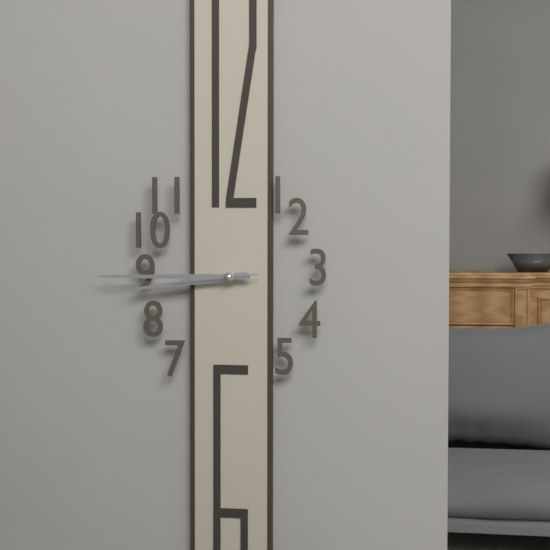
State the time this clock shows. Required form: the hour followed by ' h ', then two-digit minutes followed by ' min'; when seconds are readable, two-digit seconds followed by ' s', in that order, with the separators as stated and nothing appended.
8 h 45 min 44 s
